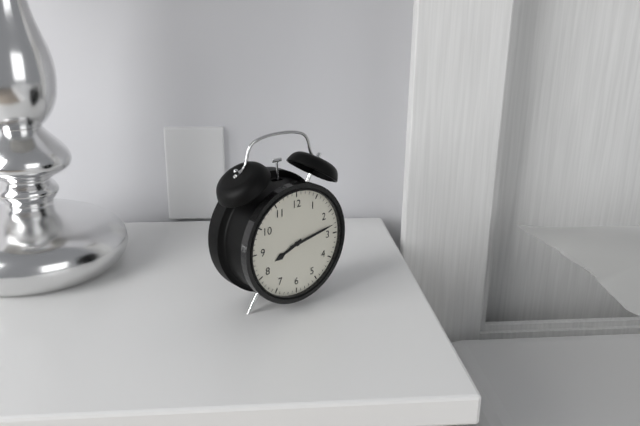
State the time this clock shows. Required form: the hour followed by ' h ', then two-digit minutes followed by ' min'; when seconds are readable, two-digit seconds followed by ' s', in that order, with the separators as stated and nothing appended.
8 h 13 min
